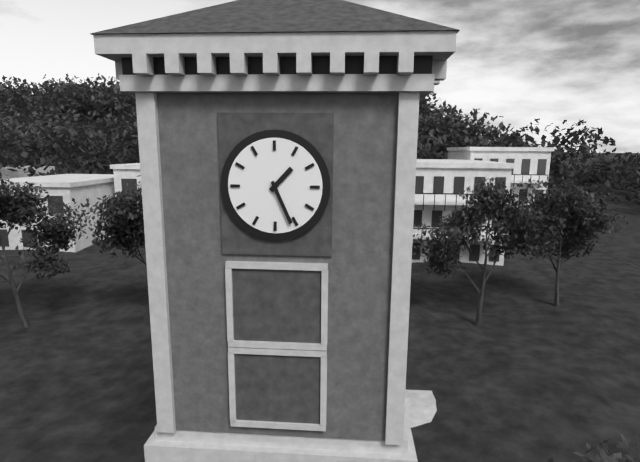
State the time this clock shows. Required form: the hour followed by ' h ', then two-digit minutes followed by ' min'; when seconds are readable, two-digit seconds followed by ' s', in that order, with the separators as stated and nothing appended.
1 h 26 min
